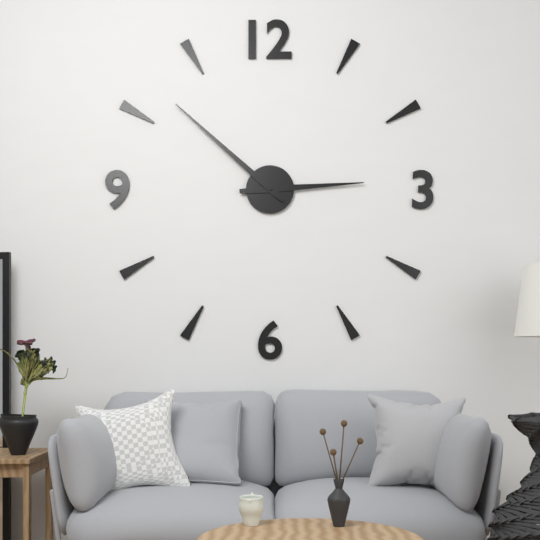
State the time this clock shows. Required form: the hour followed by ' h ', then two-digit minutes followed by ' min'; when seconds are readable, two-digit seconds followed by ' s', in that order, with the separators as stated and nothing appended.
2 h 52 min
